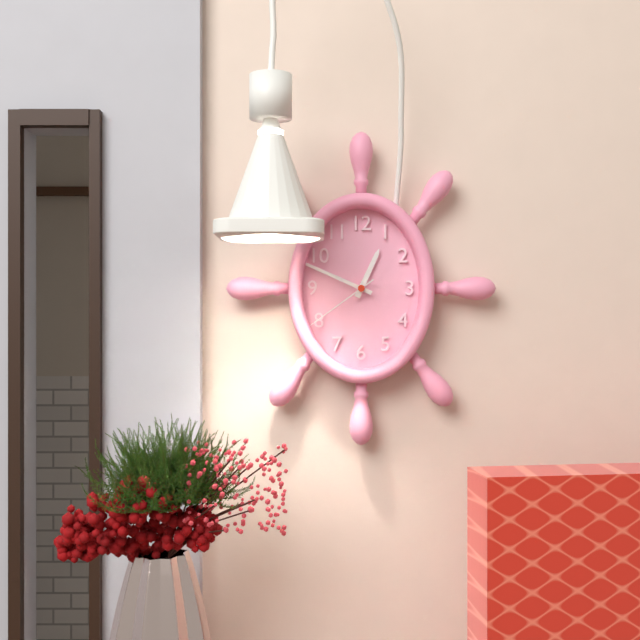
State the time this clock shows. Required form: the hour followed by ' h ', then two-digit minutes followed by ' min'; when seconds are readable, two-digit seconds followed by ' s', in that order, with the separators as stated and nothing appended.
12 h 49 min 39 s
